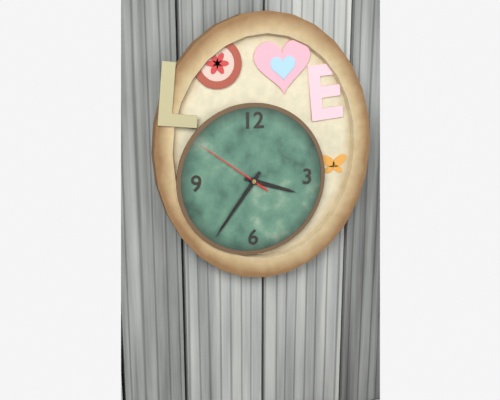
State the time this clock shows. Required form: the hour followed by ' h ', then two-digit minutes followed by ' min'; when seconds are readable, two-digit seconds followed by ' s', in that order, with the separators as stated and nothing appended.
3 h 36 min 51 s
